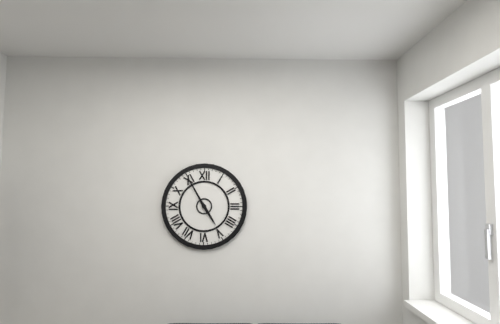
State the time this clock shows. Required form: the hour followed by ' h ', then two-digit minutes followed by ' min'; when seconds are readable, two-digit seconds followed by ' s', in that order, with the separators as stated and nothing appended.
4 h 55 min
